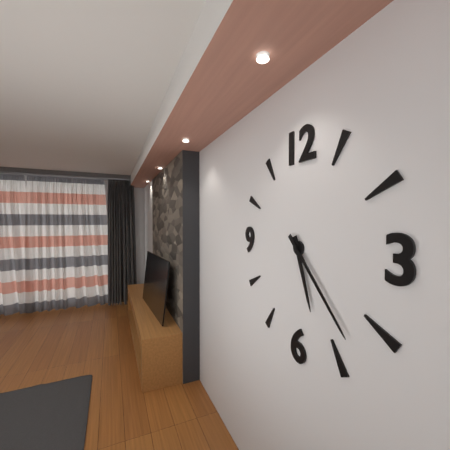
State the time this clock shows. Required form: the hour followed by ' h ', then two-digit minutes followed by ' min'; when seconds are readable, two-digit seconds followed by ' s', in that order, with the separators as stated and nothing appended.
5 h 23 min
